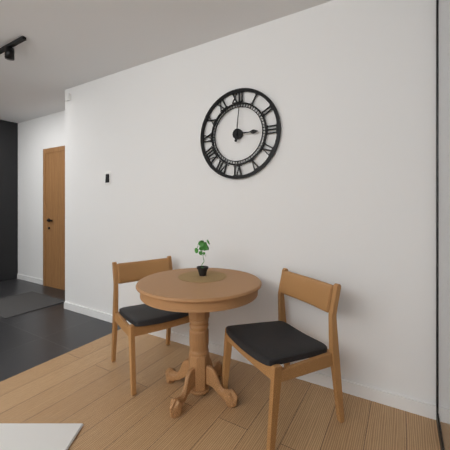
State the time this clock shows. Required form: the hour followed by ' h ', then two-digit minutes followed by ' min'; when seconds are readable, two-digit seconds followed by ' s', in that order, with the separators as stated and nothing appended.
3 h 01 min
